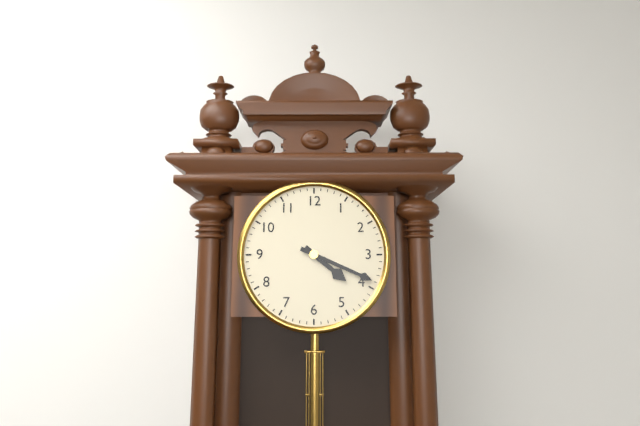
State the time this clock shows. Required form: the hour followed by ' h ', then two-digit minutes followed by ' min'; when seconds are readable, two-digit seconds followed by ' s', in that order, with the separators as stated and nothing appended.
4 h 19 min
